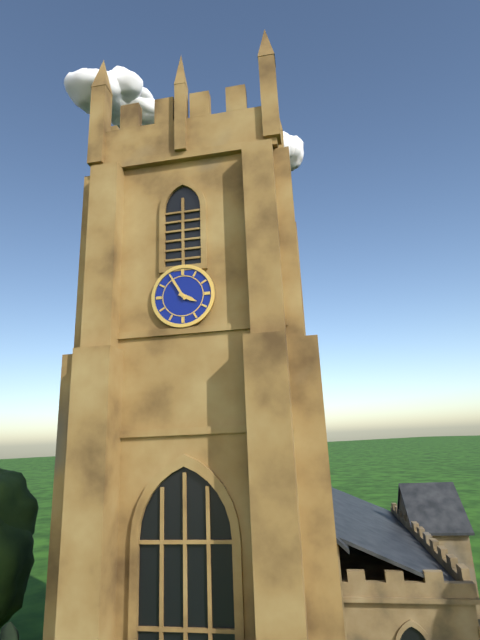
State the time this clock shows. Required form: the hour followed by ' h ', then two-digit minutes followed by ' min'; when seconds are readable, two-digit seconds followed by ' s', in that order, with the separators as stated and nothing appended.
3 h 55 min
